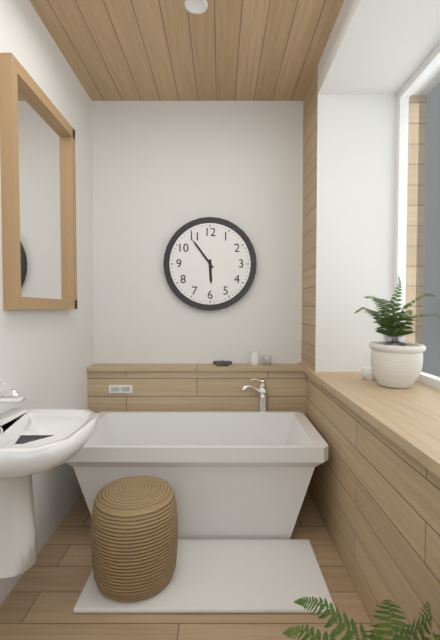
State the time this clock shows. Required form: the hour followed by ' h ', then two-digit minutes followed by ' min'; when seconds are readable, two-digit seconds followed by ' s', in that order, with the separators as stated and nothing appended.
5 h 54 min
